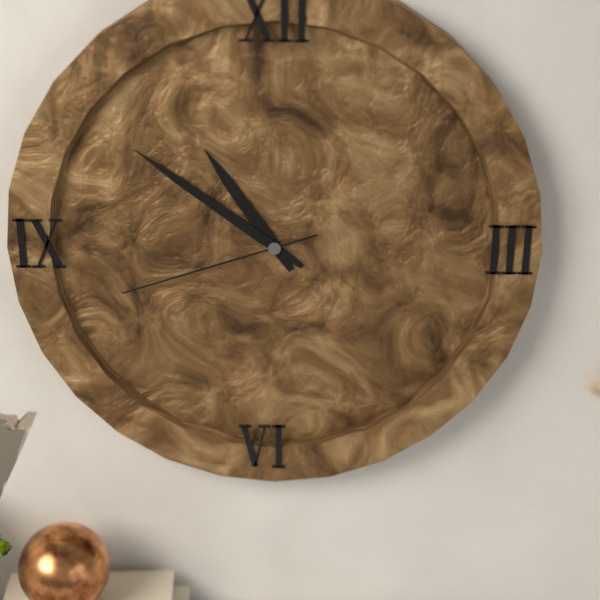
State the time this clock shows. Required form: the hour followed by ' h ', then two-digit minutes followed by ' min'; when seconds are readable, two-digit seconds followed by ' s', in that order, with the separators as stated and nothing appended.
10 h 51 min 42 s
